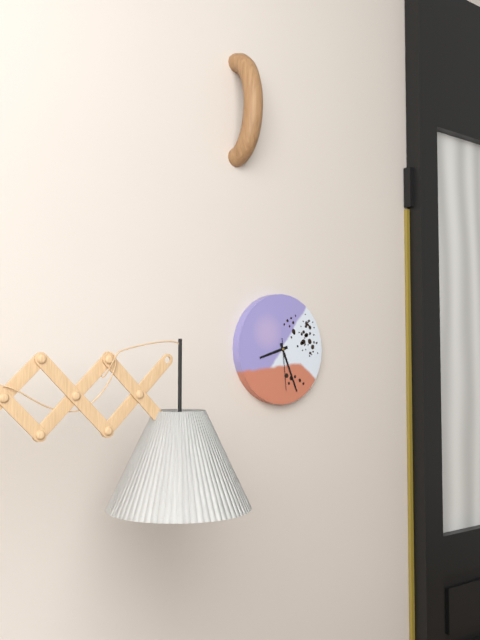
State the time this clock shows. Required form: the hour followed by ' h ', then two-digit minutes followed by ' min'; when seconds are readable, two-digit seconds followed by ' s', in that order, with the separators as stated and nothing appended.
8 h 26 min 29 s
